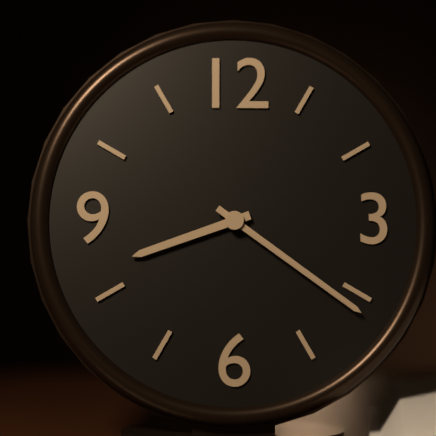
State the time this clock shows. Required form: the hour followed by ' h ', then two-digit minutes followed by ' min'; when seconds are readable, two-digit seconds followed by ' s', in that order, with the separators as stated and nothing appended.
8 h 21 min
